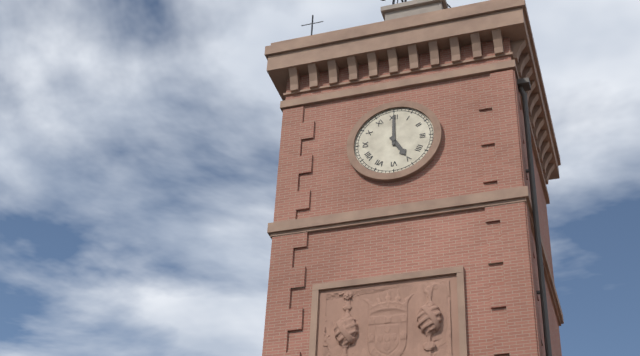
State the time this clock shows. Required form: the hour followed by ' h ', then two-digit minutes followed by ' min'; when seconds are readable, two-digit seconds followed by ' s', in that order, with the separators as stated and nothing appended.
5 h 00 min
